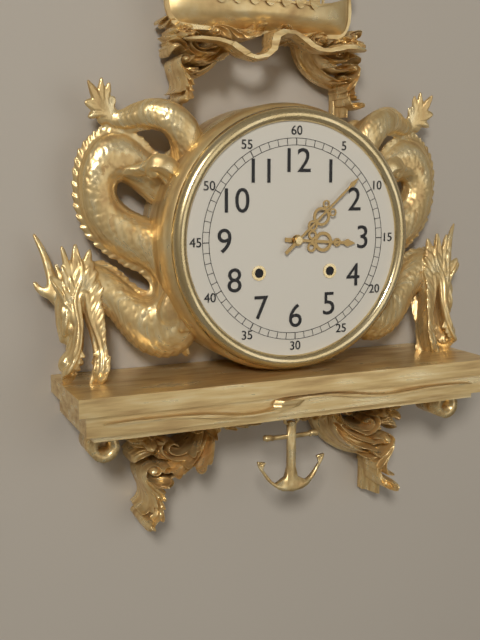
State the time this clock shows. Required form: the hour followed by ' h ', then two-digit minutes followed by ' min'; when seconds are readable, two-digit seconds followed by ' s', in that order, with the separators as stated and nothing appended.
3 h 08 min
